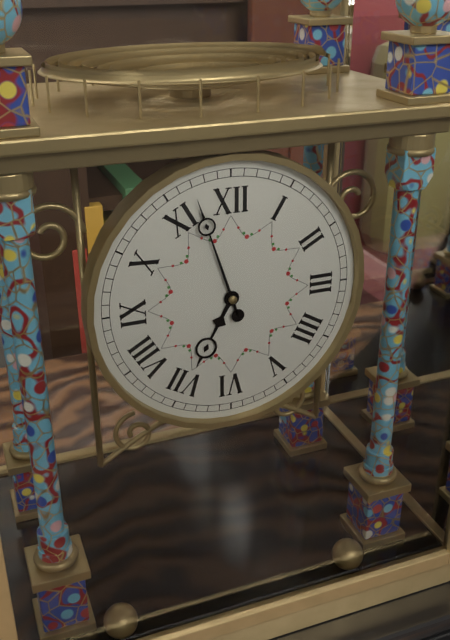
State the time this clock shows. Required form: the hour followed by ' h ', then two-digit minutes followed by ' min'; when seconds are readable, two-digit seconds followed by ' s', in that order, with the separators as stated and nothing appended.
6 h 57 min
